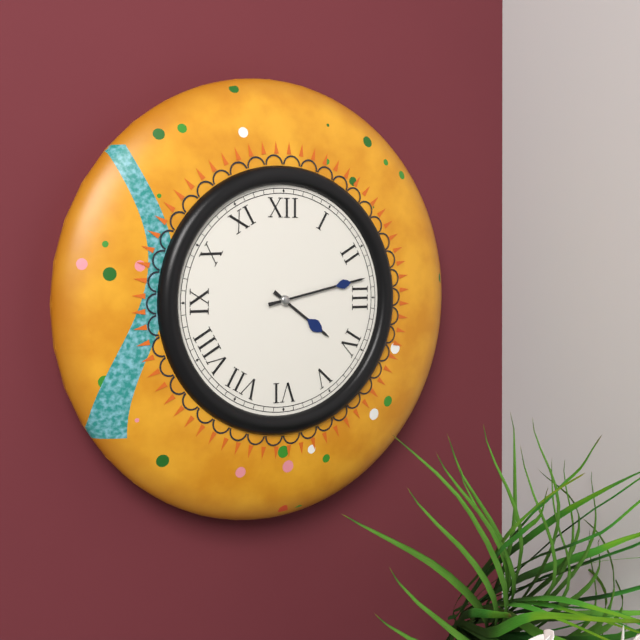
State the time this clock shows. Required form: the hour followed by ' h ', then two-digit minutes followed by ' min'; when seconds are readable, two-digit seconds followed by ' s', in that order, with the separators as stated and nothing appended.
4 h 13 min
